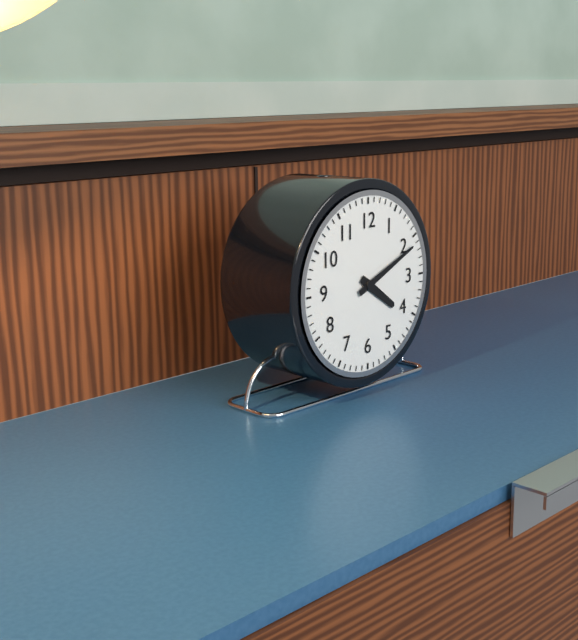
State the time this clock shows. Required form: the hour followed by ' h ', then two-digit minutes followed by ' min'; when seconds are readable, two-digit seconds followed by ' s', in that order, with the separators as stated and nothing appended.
4 h 11 min
